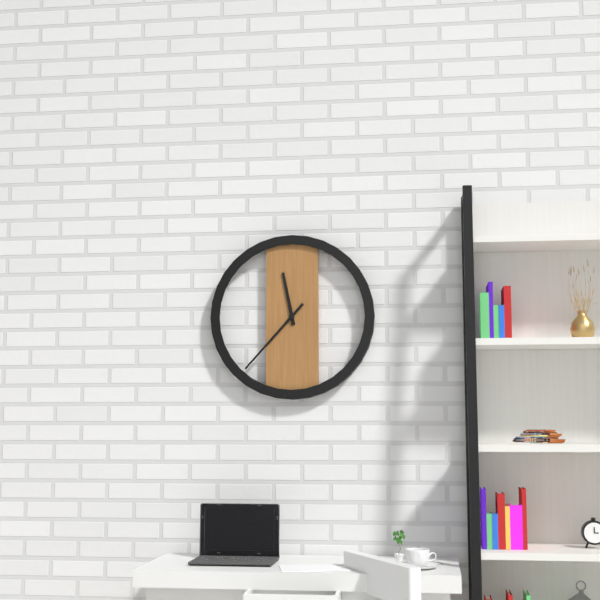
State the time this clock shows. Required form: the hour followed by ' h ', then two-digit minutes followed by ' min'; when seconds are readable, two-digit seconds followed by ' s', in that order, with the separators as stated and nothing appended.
11 h 37 min
